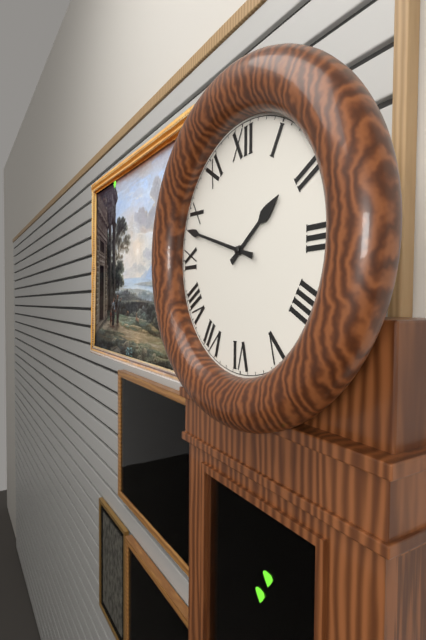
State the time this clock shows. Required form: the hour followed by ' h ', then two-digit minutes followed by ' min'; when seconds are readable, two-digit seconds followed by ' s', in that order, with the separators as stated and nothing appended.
1 h 48 min
